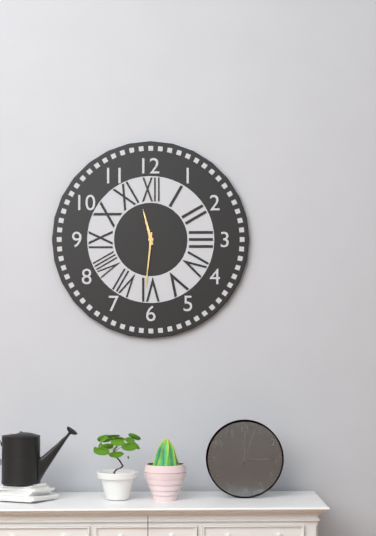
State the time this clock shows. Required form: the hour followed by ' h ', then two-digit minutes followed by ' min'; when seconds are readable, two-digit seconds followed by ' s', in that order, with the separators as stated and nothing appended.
11 h 31 min
